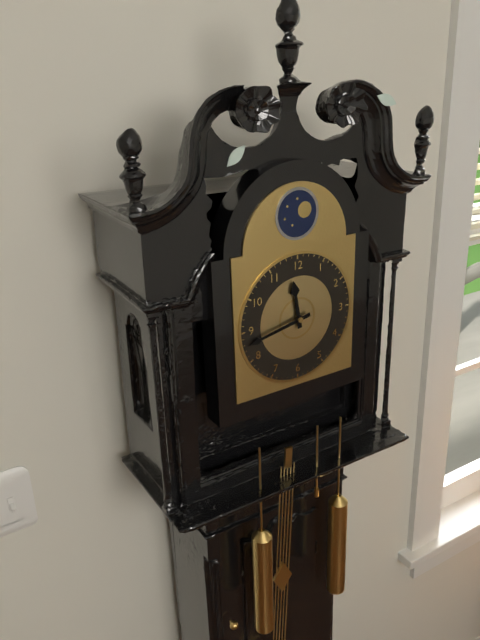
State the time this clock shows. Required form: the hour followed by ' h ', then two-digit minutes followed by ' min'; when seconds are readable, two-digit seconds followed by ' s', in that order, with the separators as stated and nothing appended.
11 h 43 min
